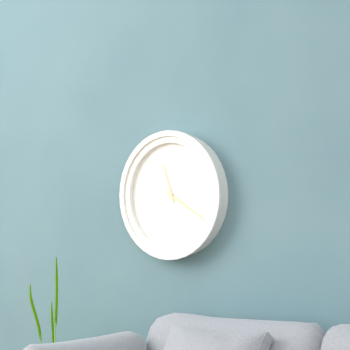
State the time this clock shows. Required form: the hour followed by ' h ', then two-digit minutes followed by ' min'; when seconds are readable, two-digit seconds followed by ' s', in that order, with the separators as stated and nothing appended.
11 h 20 min
